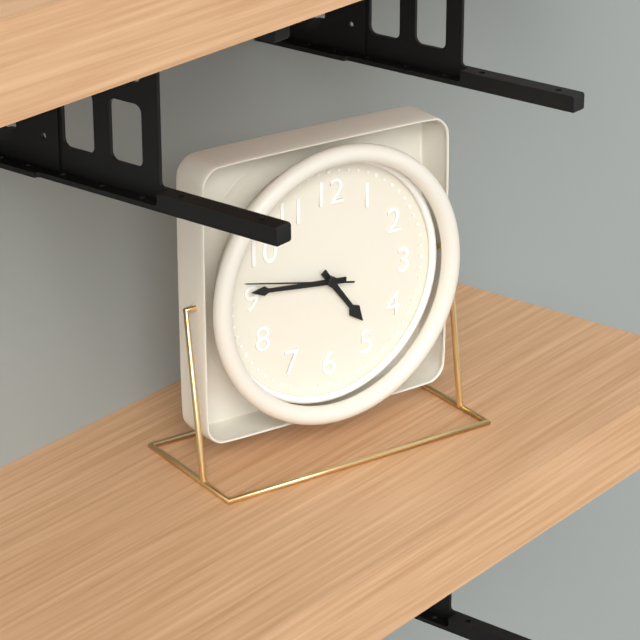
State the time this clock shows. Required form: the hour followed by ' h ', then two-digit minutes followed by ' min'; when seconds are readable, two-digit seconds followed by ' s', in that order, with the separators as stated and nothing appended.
4 h 46 min 47 s
